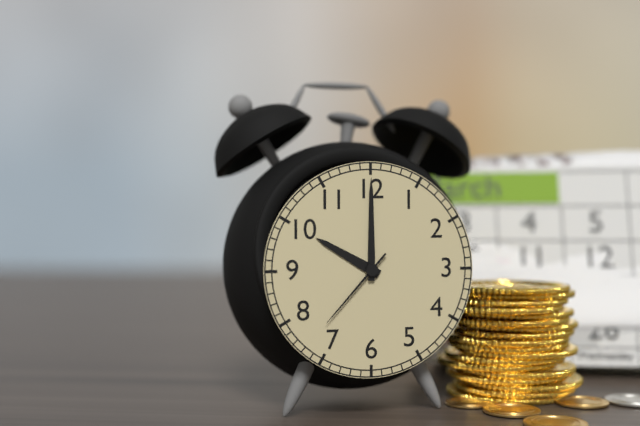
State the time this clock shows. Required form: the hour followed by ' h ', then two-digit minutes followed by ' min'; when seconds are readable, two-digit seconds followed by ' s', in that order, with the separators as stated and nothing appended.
10 h 00 min 37 s
